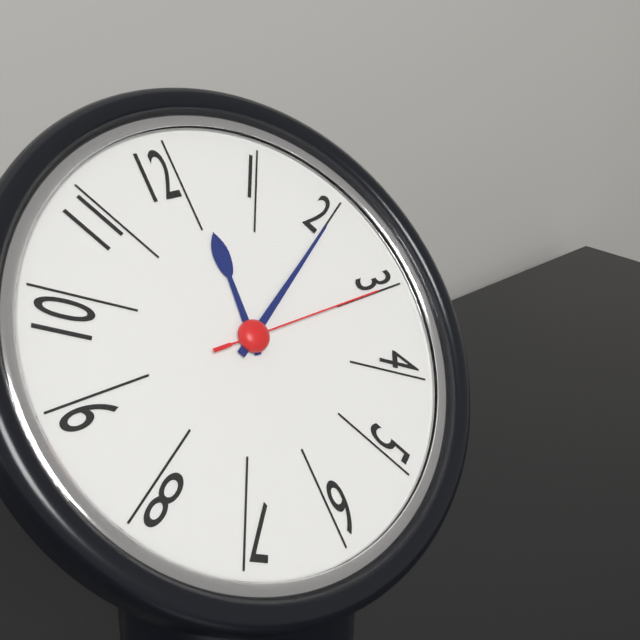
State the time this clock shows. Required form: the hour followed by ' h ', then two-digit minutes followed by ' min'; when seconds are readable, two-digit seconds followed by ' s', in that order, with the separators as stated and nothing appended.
12 h 10 min 15 s
